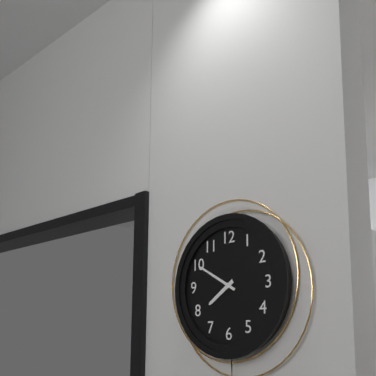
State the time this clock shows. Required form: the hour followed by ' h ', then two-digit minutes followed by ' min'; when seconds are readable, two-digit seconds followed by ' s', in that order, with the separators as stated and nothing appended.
7 h 50 min
